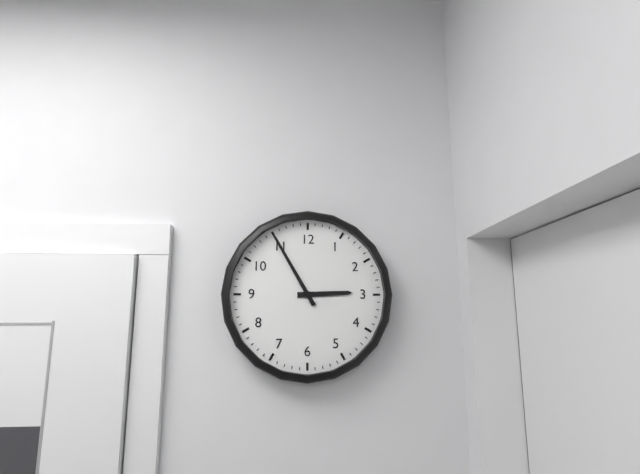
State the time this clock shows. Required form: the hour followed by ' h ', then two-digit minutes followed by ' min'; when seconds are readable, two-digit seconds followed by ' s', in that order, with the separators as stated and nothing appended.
2 h 55 min
